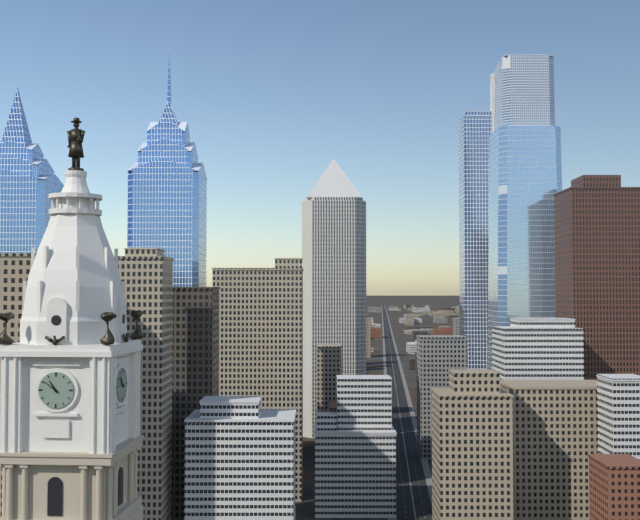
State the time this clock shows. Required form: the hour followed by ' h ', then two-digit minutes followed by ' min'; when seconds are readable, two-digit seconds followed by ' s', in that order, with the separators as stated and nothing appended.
10 h 51 min
